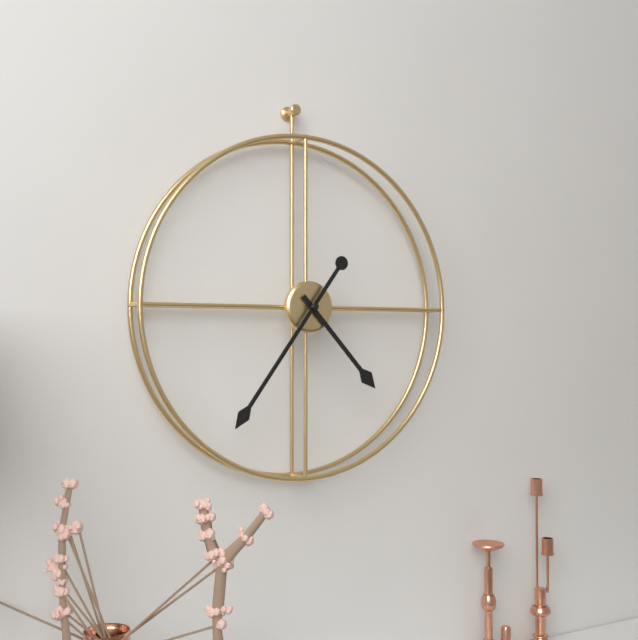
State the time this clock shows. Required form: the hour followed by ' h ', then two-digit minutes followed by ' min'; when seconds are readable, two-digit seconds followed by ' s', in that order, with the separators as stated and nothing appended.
4 h 36 min
